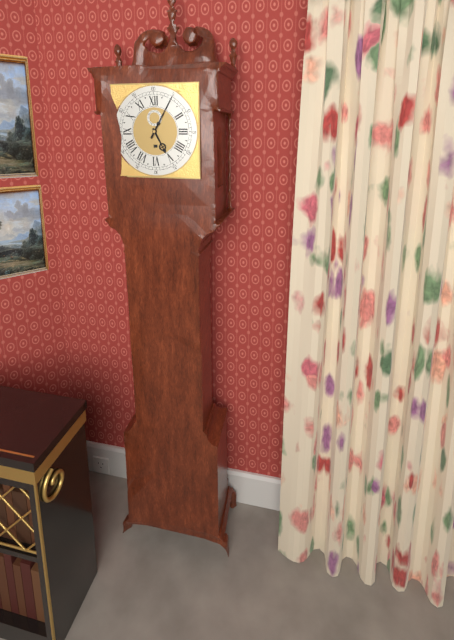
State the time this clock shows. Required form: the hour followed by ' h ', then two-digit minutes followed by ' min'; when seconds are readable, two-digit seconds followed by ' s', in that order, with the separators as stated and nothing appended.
5 h 05 min
